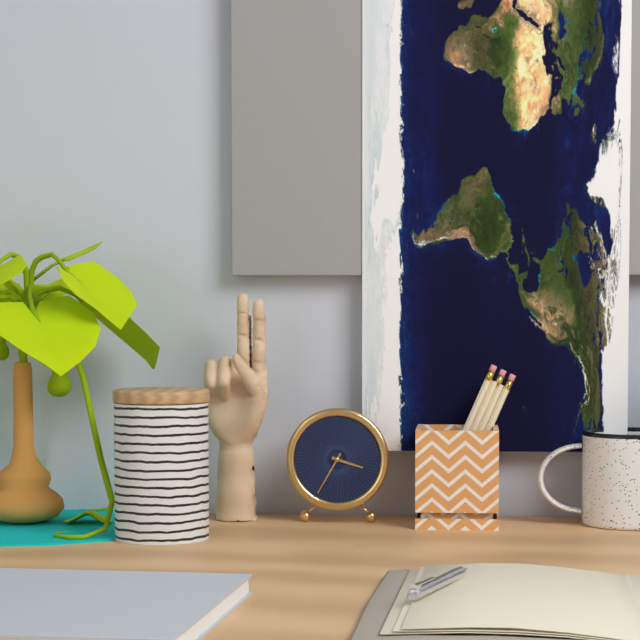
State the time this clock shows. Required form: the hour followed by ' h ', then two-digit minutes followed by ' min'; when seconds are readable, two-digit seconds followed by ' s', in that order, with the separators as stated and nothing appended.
3 h 35 min
